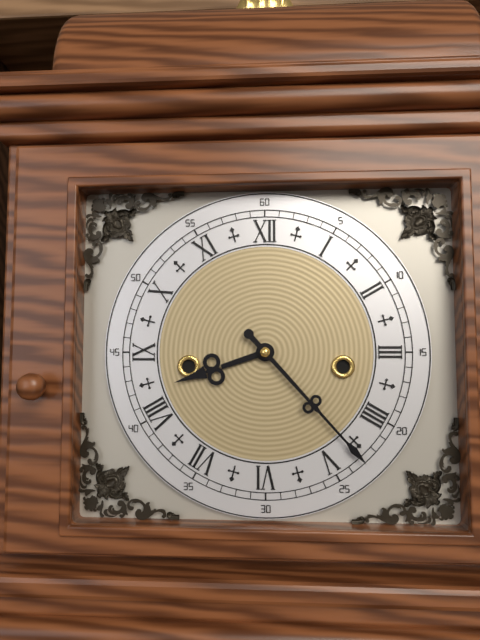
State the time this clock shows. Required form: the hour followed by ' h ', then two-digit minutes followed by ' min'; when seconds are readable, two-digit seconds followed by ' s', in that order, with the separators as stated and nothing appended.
8 h 23 min
